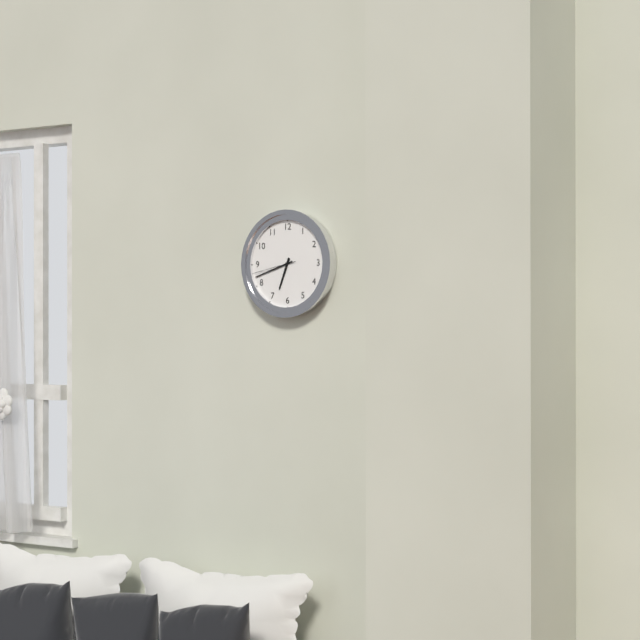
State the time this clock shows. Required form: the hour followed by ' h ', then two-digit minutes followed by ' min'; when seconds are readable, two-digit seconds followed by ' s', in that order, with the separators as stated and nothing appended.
6 h 42 min
